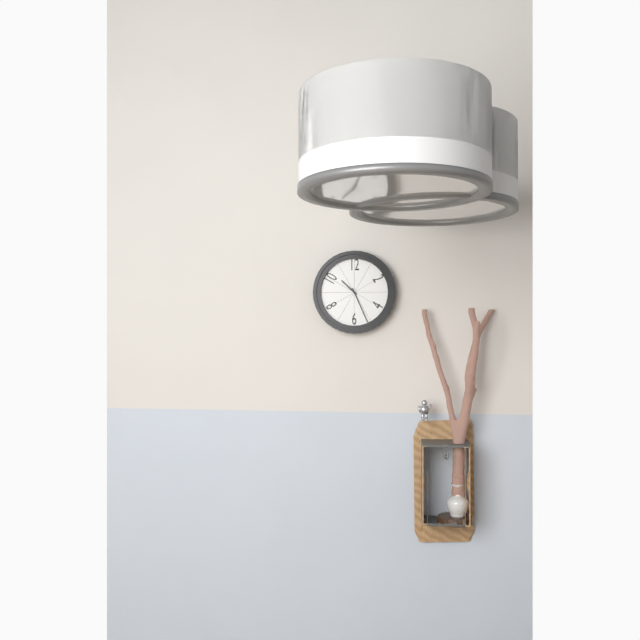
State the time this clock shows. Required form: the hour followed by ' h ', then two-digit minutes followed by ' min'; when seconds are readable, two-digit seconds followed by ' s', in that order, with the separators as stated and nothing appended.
10 h 26 min
